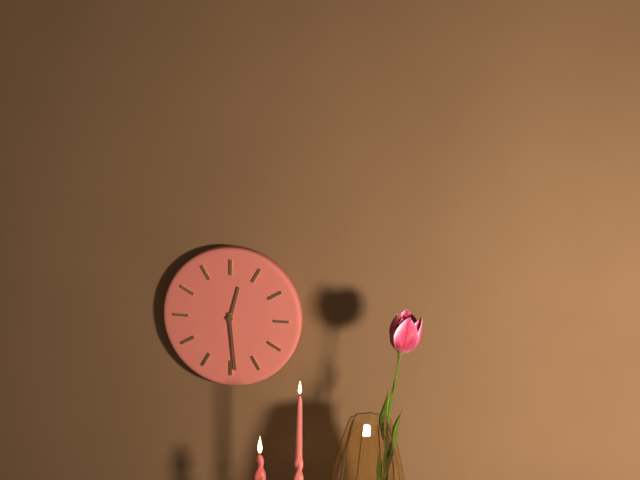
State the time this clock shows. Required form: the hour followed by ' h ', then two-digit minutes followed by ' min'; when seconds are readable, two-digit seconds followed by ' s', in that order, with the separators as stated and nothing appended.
12 h 29 min
